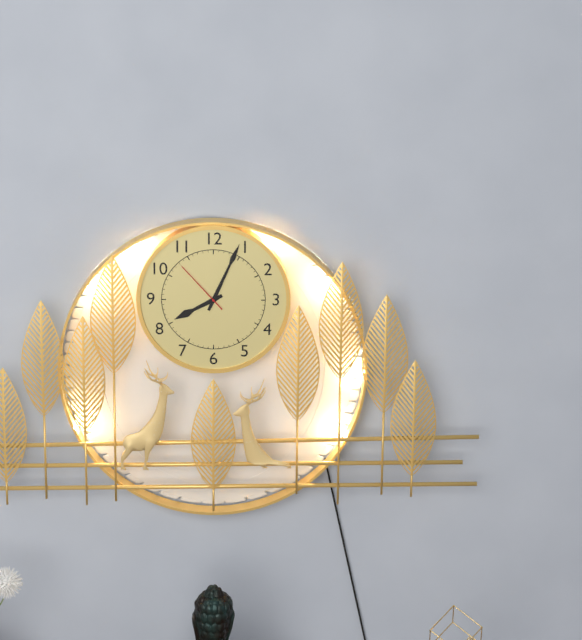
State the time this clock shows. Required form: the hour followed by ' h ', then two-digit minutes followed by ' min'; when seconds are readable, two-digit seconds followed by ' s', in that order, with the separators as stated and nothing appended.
8 h 04 min 53 s
